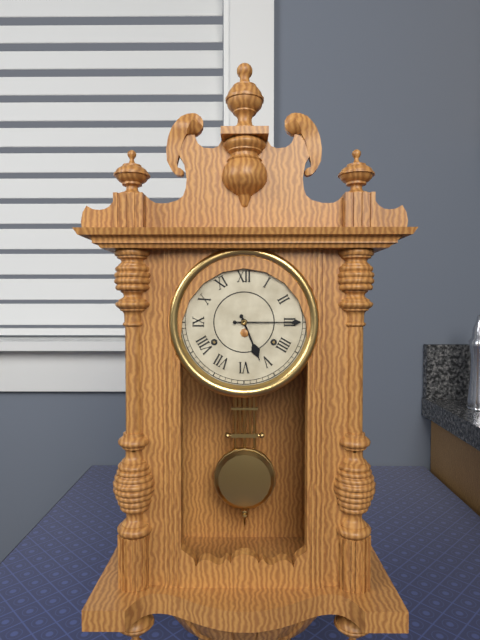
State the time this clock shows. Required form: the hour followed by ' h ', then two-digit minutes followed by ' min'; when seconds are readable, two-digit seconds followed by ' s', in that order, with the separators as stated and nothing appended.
5 h 15 min
